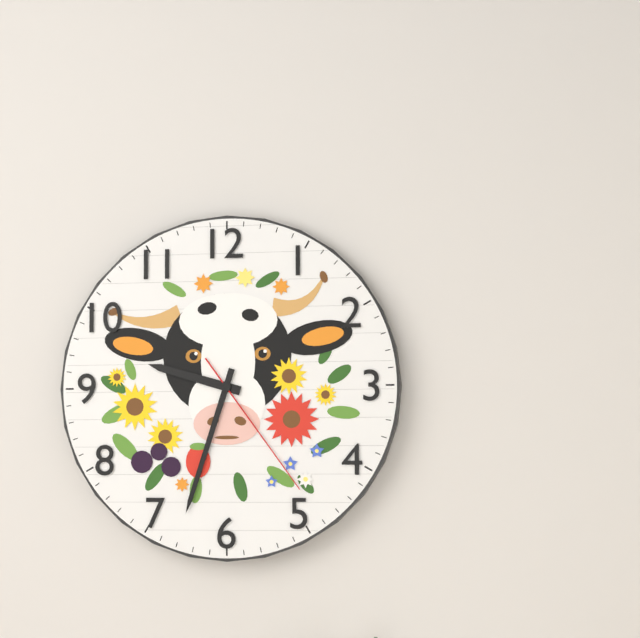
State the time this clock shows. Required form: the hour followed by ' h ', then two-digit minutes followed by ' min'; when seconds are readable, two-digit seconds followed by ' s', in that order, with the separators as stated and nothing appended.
9 h 33 min 24 s
